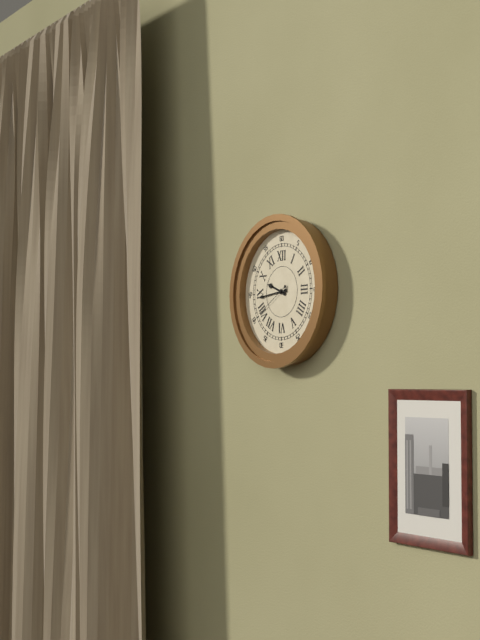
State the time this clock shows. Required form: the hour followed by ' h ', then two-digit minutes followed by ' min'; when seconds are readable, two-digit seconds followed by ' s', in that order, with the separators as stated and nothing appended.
9 h 44 min
